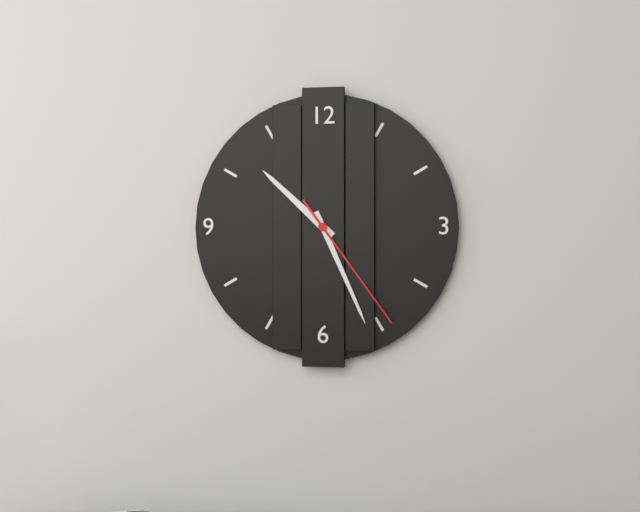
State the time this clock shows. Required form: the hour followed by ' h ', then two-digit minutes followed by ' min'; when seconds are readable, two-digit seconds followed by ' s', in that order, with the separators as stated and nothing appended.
10 h 26 min 24 s
